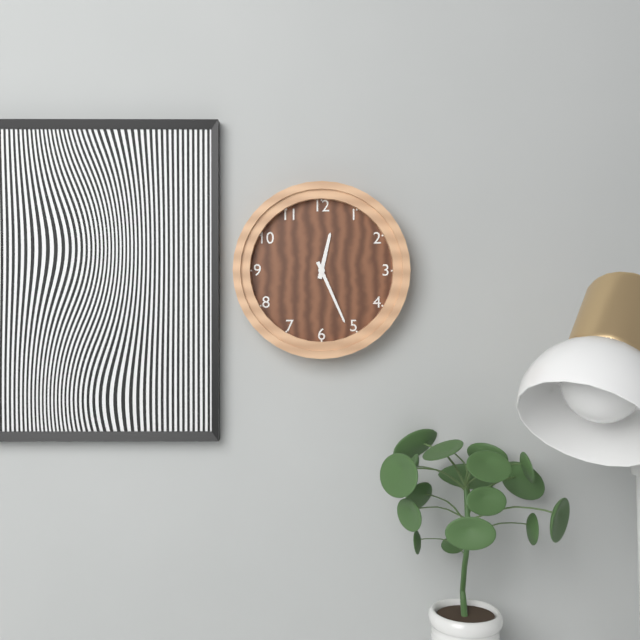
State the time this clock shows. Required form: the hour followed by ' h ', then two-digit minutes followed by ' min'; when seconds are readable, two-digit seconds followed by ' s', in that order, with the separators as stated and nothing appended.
12 h 26 min
